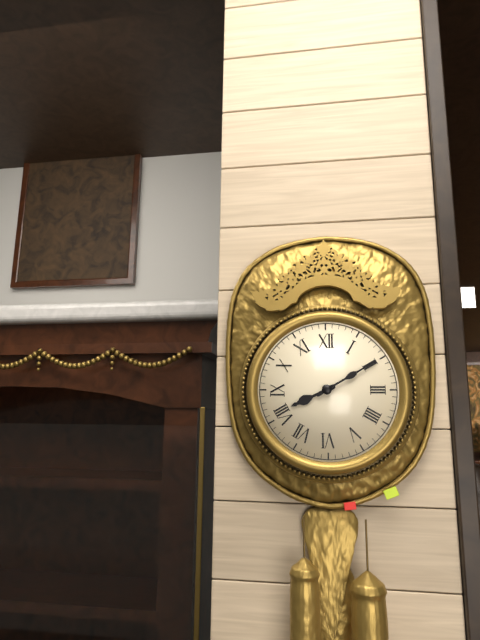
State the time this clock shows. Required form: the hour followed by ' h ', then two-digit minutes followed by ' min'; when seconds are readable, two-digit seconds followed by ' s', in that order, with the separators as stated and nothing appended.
8 h 10 min
